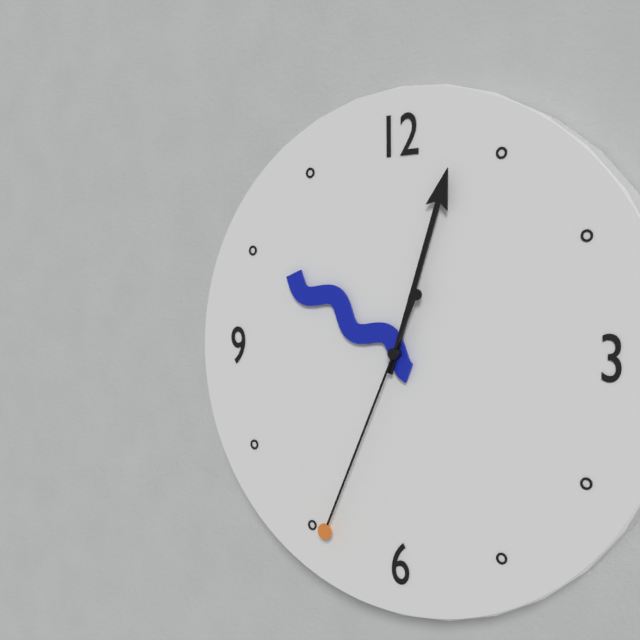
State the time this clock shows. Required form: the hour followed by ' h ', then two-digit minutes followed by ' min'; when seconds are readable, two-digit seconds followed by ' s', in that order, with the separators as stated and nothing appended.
10 h 03 min 34 s
